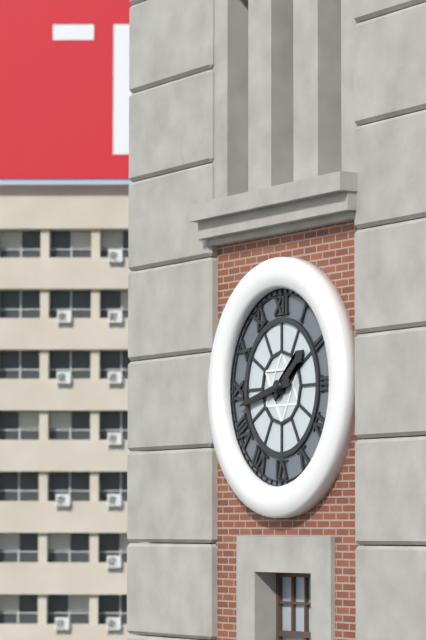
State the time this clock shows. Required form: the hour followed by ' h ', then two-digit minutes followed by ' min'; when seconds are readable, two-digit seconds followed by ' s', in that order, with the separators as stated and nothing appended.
1 h 43 min
